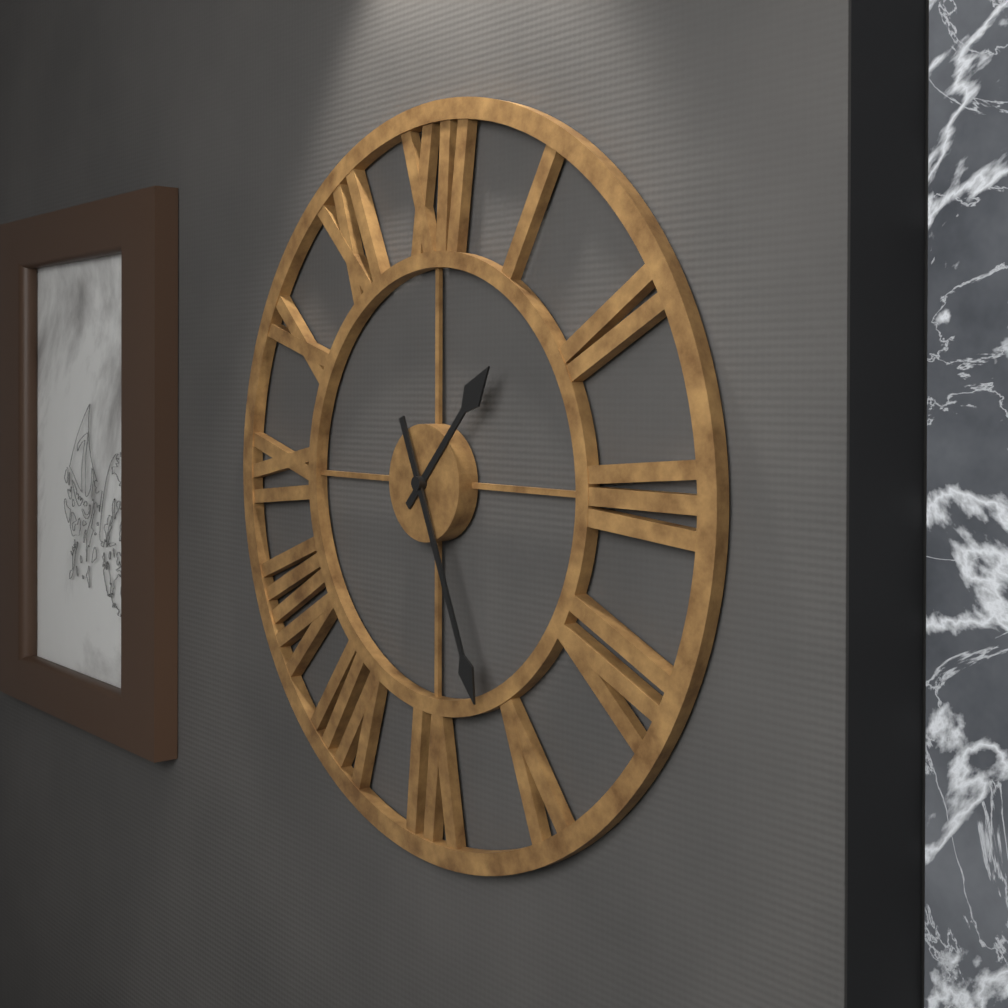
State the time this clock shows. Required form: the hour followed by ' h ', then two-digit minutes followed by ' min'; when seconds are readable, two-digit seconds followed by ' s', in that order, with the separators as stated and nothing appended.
1 h 26 min
